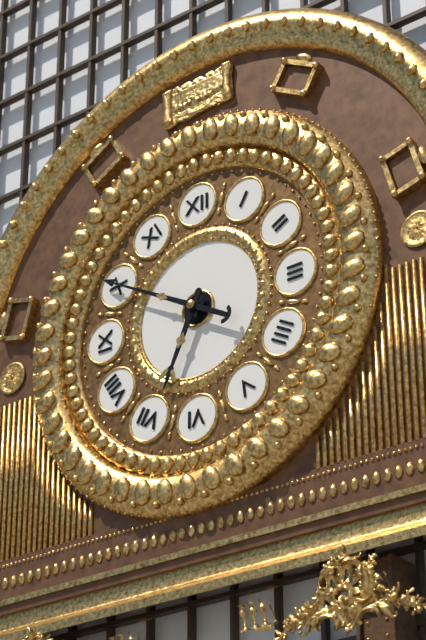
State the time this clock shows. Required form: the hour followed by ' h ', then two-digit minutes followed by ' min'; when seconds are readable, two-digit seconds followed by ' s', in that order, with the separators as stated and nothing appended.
6 h 50 min
